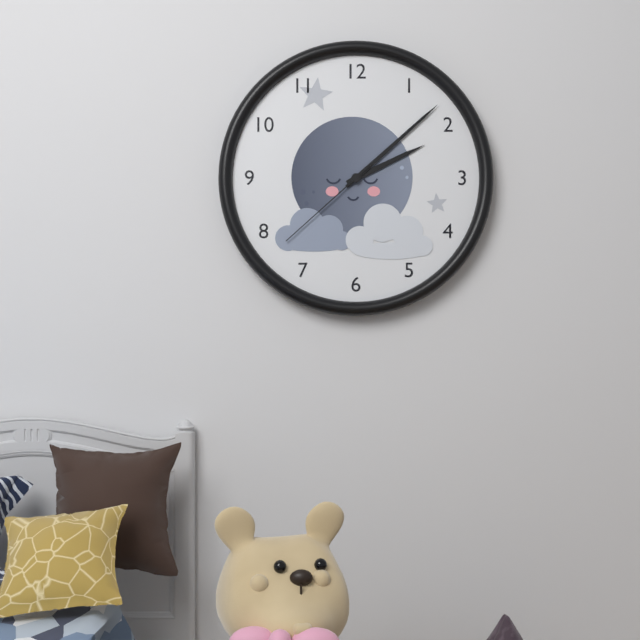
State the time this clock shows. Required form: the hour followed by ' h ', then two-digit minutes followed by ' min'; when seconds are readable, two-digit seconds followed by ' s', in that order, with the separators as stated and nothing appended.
2 h 08 min 38 s
